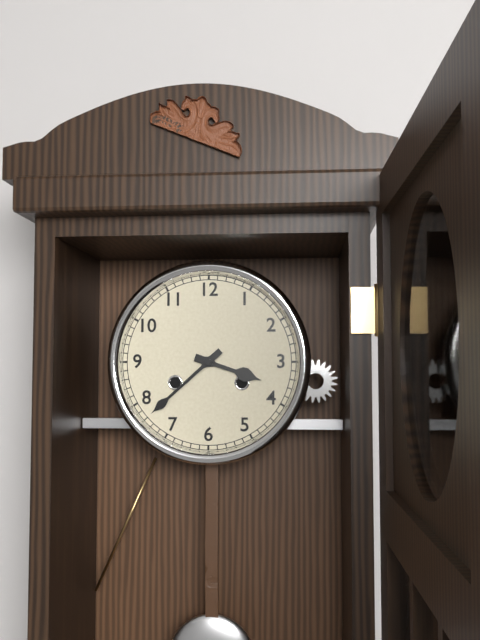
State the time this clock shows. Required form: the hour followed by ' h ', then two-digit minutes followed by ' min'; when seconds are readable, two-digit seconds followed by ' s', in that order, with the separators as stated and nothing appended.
3 h 38 min
